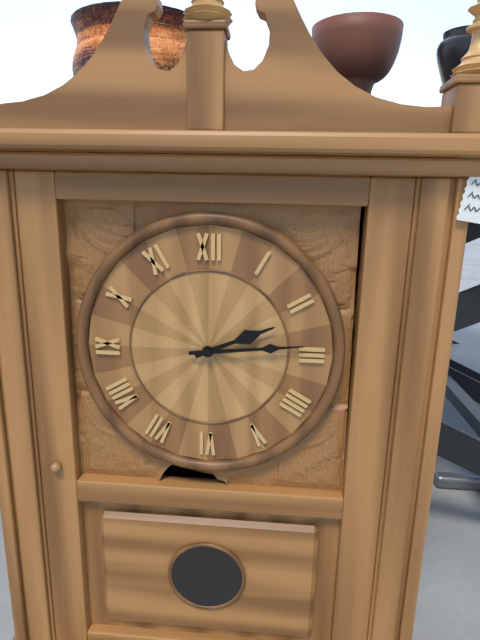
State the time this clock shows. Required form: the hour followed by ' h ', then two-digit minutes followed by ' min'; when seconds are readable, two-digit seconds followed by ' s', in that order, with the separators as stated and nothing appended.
2 h 14 min
